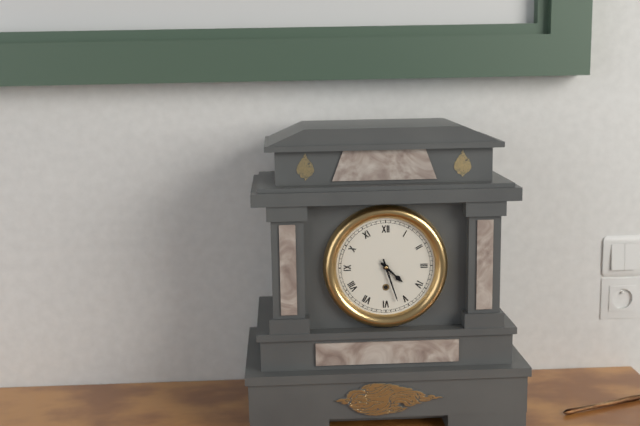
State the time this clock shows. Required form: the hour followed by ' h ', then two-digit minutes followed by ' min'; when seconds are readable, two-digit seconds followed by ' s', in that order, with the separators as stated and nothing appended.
4 h 27 min
